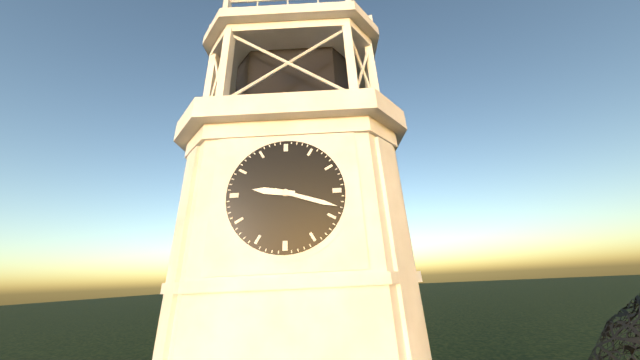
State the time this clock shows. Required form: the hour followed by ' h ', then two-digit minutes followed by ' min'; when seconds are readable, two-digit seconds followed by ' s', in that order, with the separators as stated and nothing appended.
9 h 18 min
